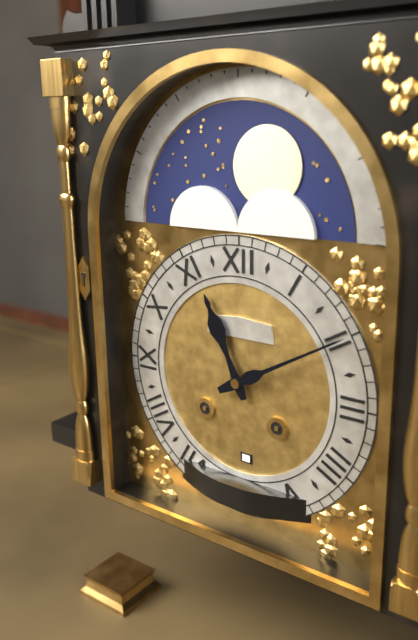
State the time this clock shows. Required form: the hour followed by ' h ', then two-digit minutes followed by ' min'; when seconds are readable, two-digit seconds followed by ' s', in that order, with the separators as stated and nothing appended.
11 h 10 min
